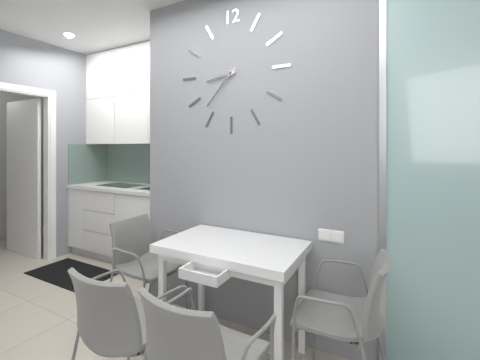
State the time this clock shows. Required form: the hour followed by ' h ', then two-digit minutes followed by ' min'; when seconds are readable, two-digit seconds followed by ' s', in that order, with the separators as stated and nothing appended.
8 h 37 min
